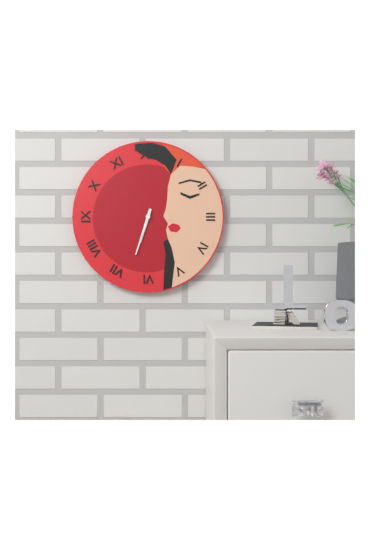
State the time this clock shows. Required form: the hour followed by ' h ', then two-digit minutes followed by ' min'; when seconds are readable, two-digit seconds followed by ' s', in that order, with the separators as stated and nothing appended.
6 h 33 min
